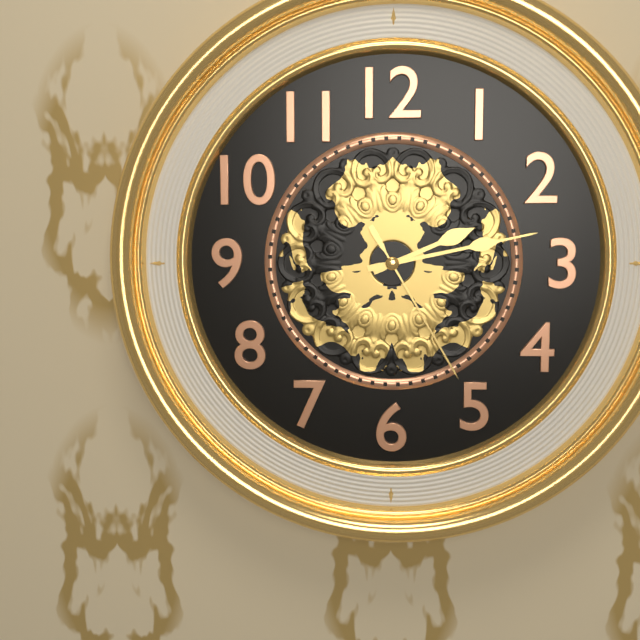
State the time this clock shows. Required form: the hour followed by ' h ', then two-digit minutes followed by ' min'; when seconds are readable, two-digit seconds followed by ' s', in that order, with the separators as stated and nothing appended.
2 h 13 min 25 s
